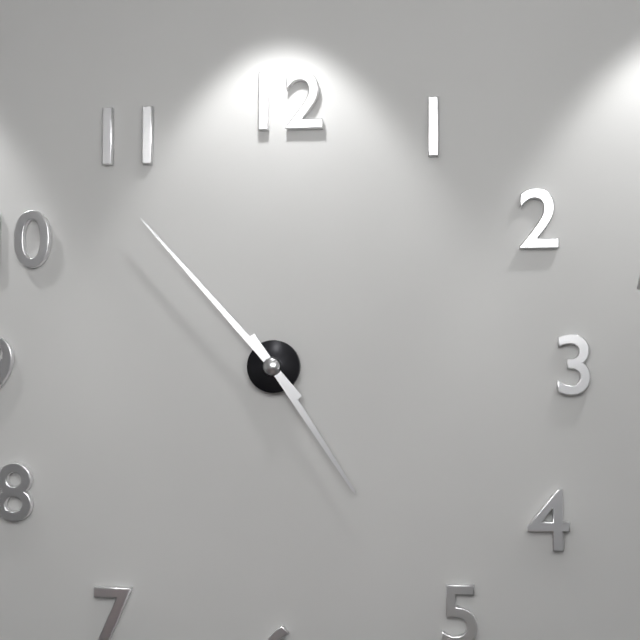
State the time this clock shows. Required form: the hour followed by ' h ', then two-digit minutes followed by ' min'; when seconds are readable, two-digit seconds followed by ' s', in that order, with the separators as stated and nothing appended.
4 h 53 min
